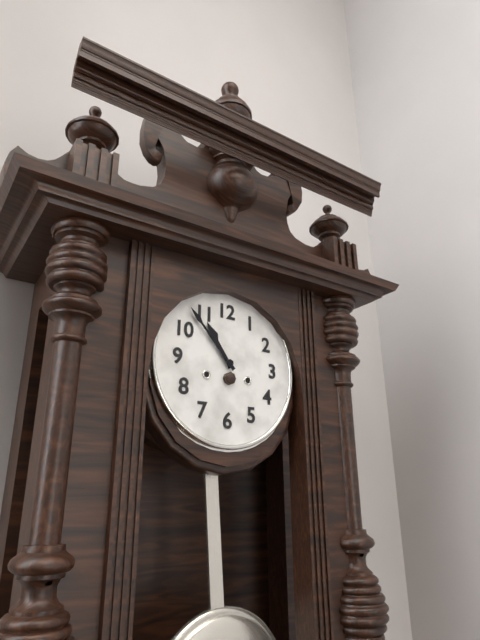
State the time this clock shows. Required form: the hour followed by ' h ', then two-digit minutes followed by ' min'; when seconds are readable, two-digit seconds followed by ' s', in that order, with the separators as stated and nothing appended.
10 h 53 min
